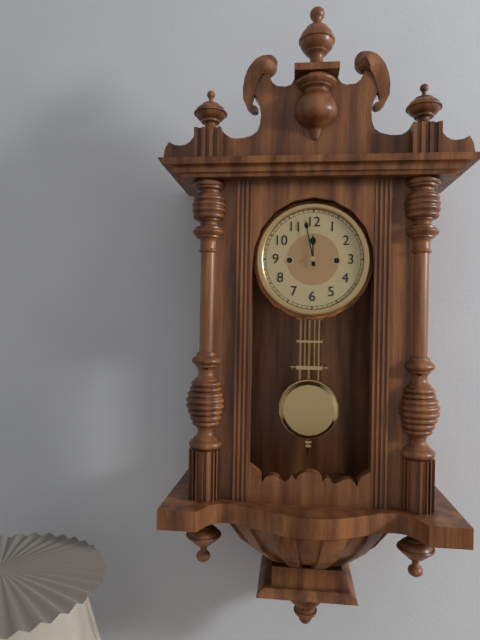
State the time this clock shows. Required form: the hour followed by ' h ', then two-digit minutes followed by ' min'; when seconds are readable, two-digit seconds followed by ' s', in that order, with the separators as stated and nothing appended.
11 h 58 min
